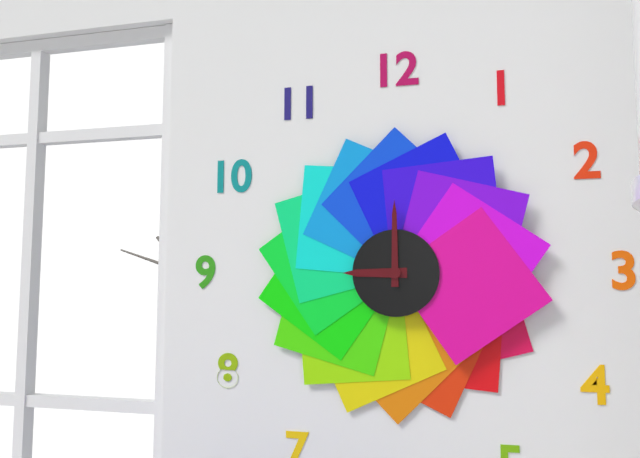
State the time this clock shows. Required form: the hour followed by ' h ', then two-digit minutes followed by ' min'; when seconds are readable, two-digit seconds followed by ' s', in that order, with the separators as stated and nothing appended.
9 h 00 min
